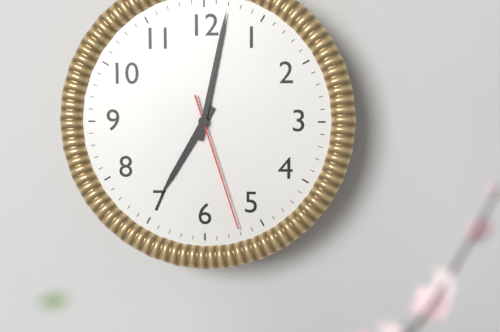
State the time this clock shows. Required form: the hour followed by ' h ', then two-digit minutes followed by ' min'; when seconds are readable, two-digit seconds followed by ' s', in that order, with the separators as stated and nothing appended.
7 h 02 min 27 s
